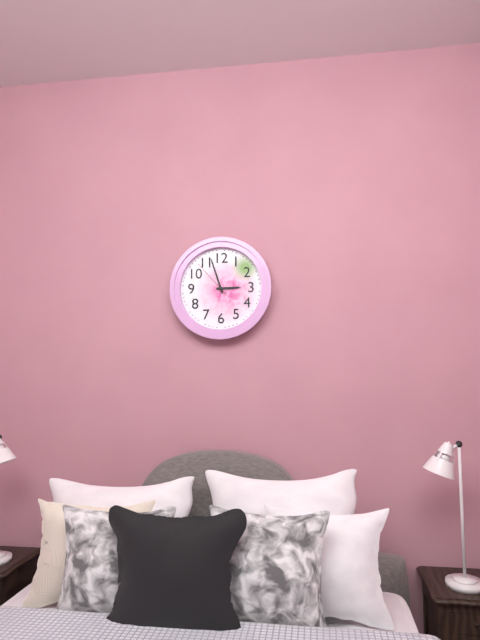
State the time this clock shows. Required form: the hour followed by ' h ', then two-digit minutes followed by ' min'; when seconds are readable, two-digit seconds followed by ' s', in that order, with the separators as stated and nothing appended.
2 h 57 min
